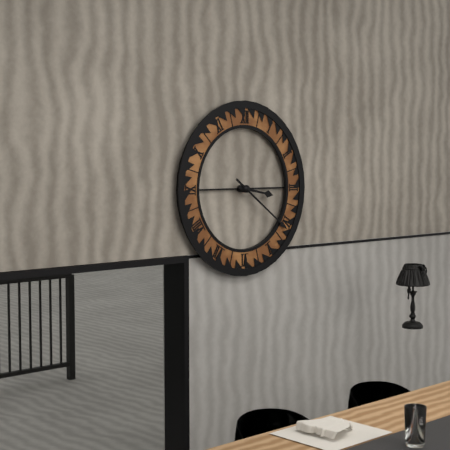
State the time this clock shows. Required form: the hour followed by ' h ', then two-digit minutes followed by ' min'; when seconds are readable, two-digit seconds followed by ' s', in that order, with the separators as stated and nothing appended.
3 h 21 min
